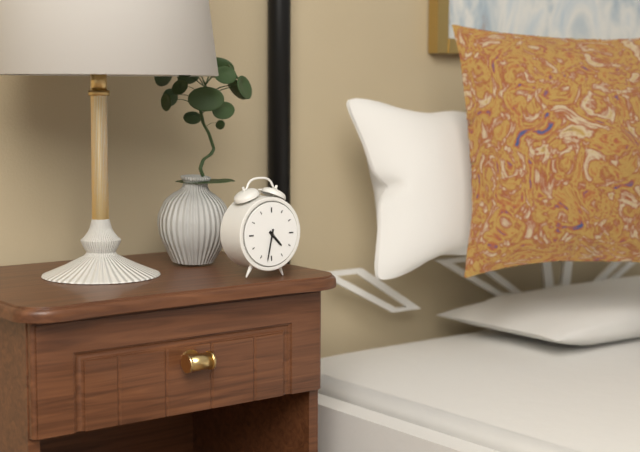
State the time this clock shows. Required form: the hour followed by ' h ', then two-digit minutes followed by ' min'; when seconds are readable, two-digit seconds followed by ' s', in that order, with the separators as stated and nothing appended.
4 h 32 min
